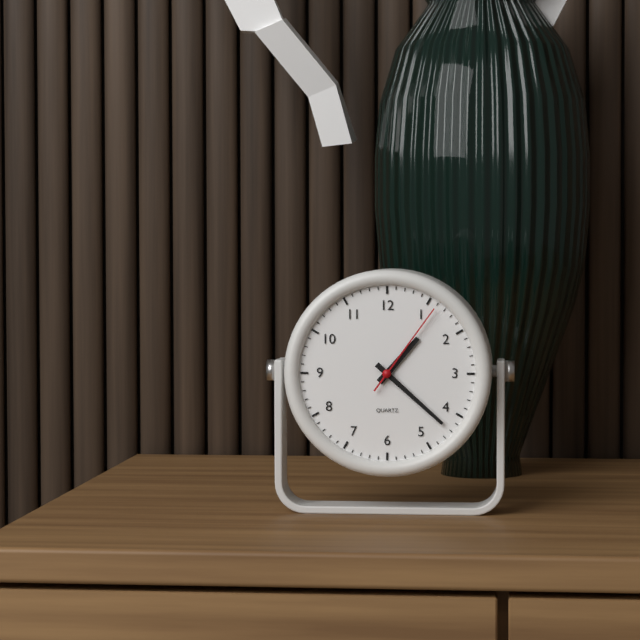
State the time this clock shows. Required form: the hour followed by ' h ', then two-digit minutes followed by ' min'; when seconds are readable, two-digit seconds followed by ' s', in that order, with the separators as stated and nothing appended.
1 h 22 min 06 s
